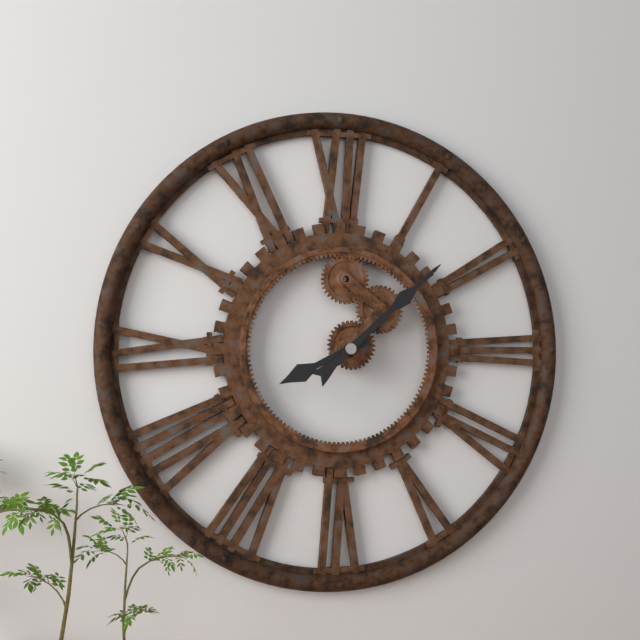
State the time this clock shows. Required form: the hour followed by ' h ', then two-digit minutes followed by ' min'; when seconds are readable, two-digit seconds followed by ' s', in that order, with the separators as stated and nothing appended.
8 h 08 min
